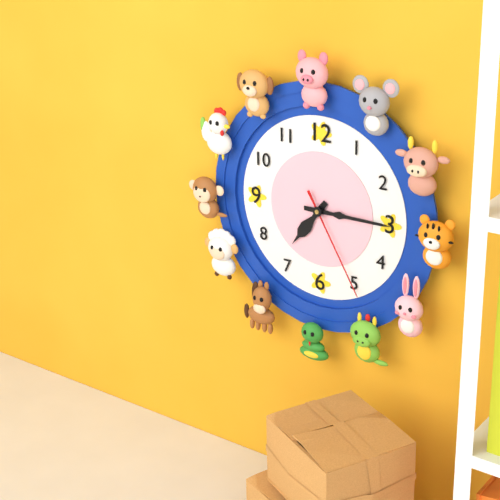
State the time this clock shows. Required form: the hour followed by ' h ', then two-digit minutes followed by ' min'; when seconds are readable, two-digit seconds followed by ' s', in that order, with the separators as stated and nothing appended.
7 h 15 min 25 s
